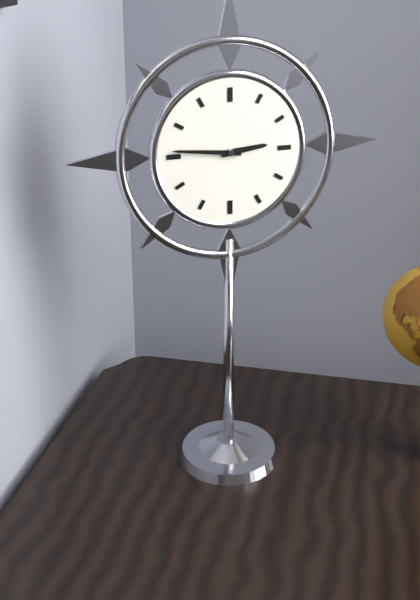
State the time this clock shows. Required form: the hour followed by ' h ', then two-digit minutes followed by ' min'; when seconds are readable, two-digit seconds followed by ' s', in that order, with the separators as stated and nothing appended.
2 h 46 min
